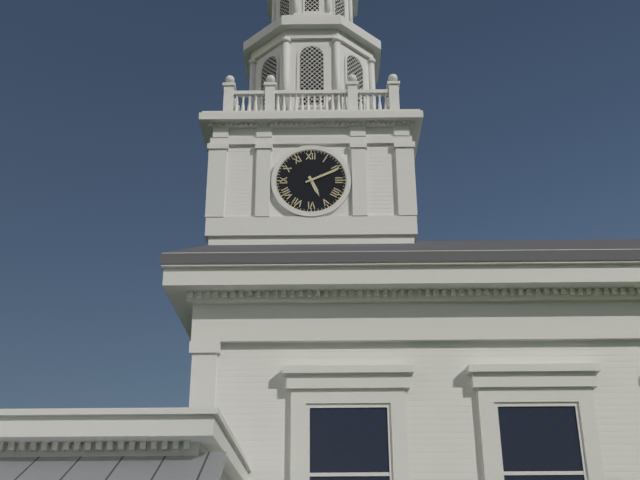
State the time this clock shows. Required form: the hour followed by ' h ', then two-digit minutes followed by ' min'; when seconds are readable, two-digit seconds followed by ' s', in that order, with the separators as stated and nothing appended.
5 h 11 min
